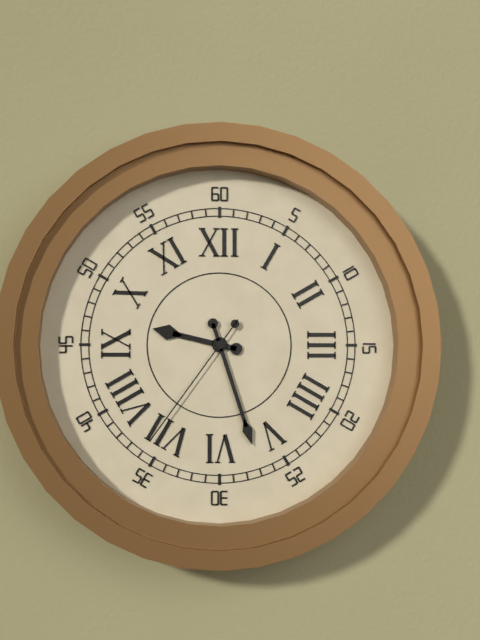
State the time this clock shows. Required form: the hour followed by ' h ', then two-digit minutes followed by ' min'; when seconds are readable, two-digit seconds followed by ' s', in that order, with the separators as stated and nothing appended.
9 h 27 min 36 s
